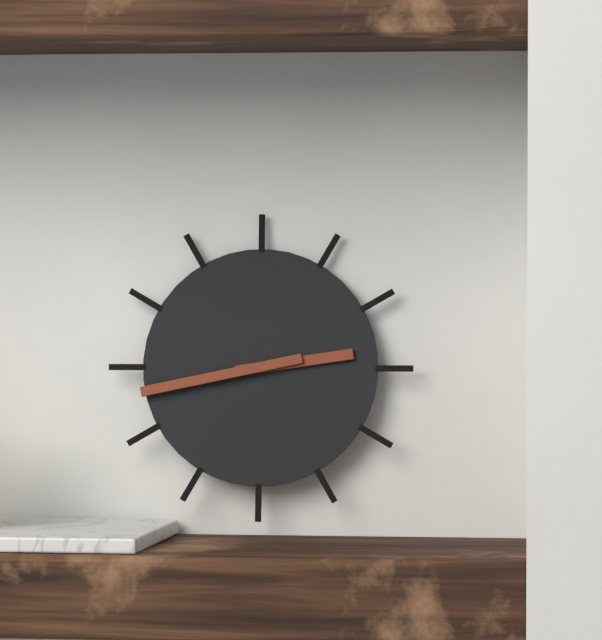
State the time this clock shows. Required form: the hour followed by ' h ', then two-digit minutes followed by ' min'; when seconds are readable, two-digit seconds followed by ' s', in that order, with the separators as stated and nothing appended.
2 h 43 min
